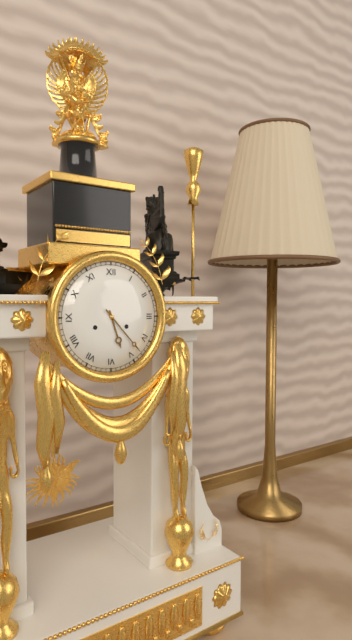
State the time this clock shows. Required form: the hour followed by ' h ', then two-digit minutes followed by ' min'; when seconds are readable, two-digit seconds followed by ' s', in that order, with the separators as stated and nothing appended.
5 h 23 min
